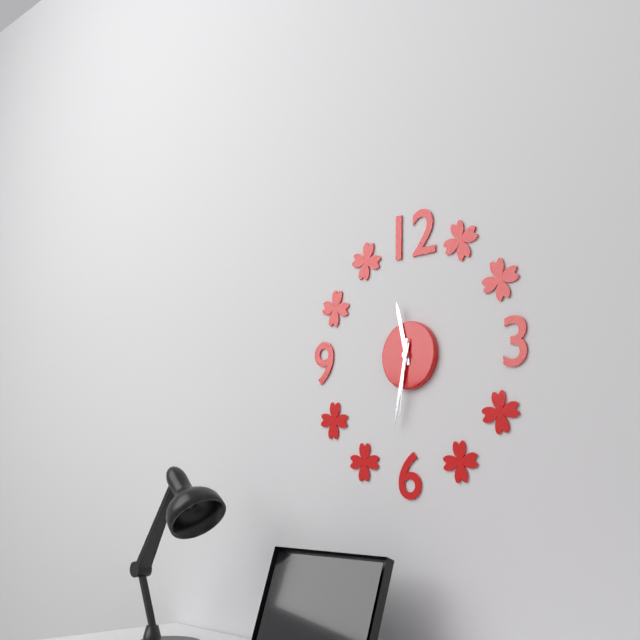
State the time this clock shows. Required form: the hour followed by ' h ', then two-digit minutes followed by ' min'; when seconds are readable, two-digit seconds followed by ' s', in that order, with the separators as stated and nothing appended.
11 h 32 min 31 s
